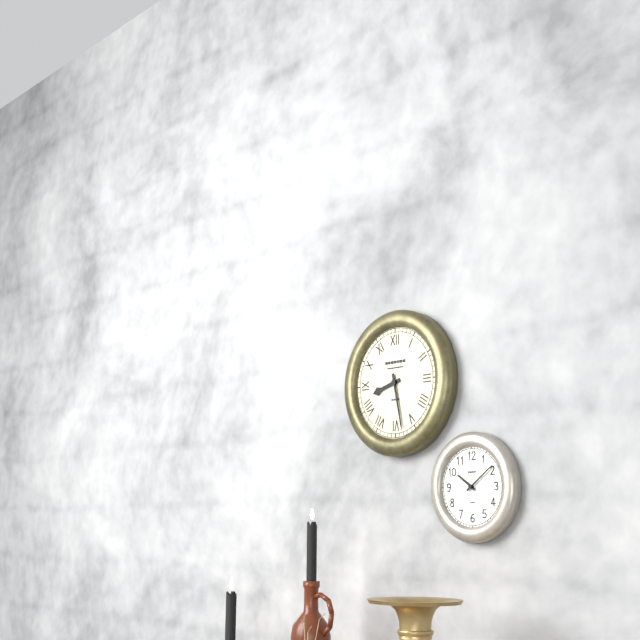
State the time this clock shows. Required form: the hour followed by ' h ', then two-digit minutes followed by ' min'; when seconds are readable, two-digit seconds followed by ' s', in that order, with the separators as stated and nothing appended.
8 h 28 min
